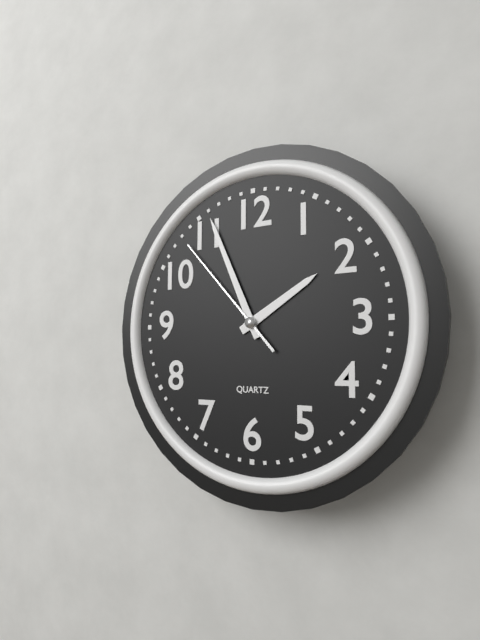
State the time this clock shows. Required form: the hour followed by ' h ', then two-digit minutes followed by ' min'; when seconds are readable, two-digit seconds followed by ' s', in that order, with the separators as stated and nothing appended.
1 h 56 min 53 s
